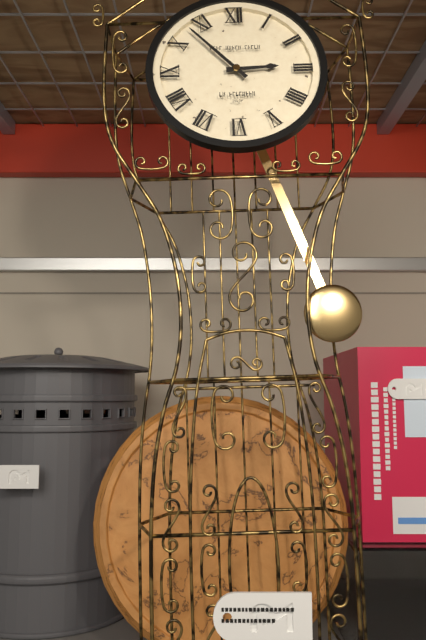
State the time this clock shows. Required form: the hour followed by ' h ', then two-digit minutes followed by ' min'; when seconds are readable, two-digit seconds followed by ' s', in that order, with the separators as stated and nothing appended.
2 h 53 min
